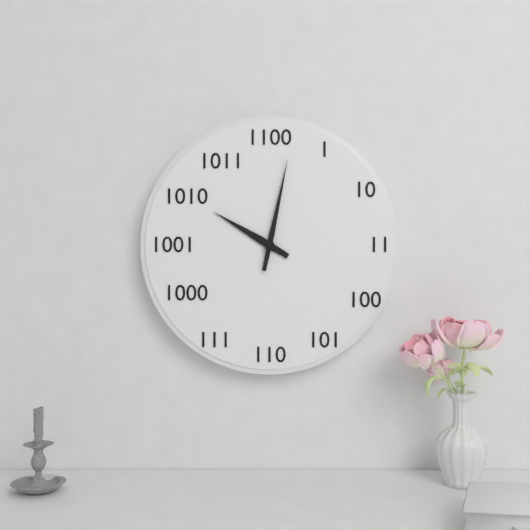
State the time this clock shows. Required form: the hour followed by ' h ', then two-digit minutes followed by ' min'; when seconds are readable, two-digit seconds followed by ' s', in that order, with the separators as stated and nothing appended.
10 h 02 min
